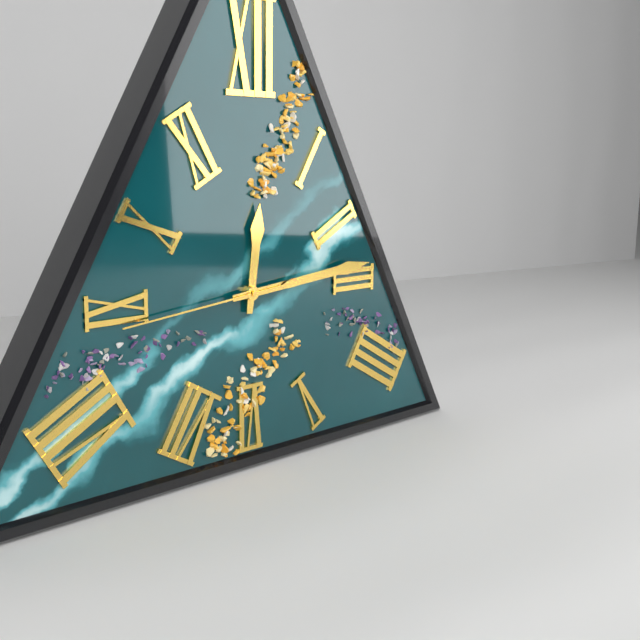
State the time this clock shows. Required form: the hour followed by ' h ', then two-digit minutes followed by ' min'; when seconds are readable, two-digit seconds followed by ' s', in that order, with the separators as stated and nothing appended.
12 h 14 min 44 s
